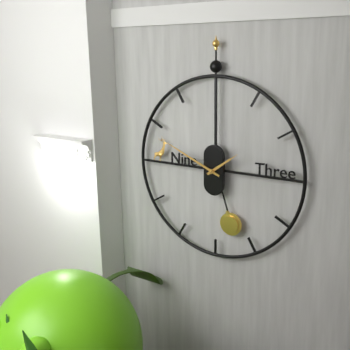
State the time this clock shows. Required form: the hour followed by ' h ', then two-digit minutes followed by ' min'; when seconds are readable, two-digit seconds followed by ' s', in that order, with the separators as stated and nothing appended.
1 h 49 min
